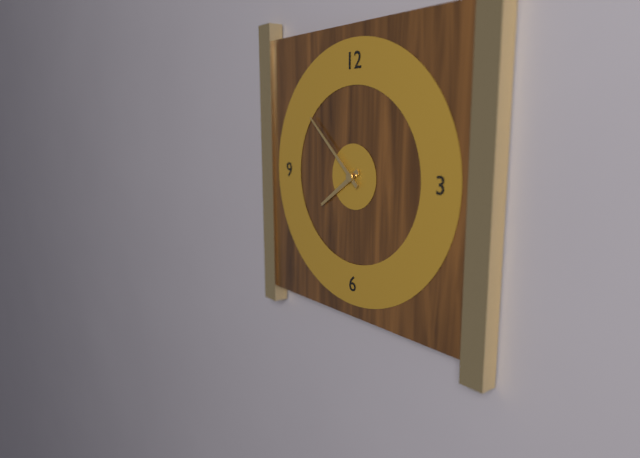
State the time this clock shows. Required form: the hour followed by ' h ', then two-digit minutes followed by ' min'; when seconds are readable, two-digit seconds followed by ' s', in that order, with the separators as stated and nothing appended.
7 h 52 min
